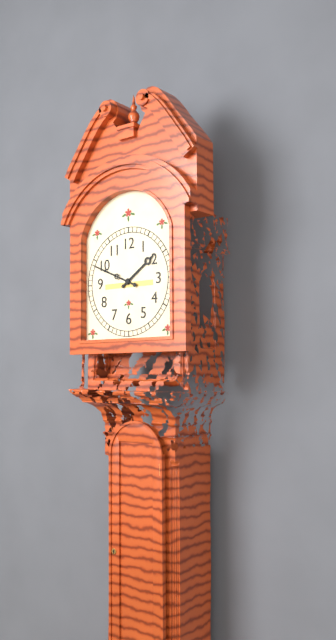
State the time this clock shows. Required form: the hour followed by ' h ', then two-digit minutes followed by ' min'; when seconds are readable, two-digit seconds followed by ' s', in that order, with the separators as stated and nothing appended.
1 h 49 min
